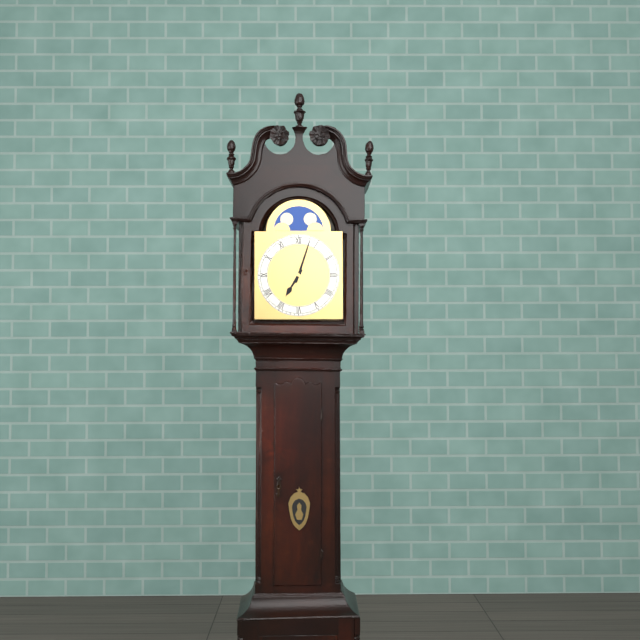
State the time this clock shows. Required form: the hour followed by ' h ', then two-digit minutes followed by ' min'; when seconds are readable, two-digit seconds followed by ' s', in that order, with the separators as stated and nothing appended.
7 h 03 min
